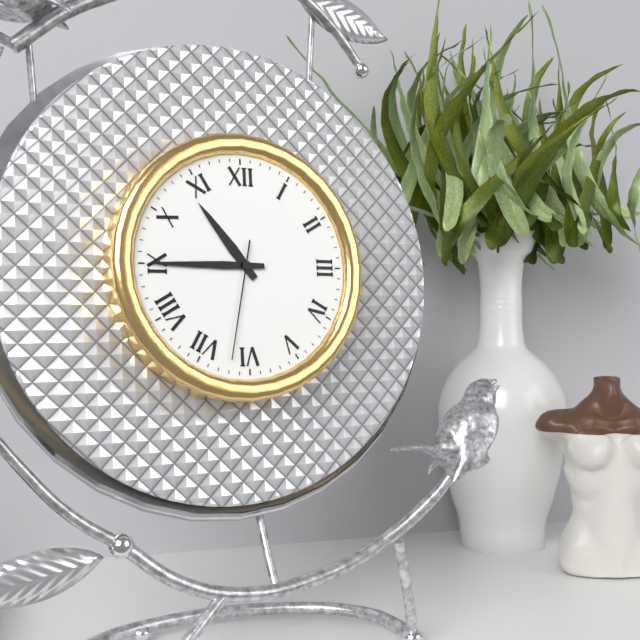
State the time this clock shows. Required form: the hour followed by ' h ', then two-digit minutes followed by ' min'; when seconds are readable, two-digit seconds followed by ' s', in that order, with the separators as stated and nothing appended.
10 h 45 min 32 s
